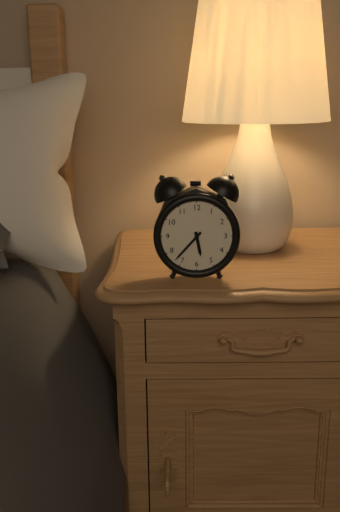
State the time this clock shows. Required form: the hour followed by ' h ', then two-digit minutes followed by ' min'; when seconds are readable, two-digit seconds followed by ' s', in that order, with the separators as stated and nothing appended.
5 h 37 min
